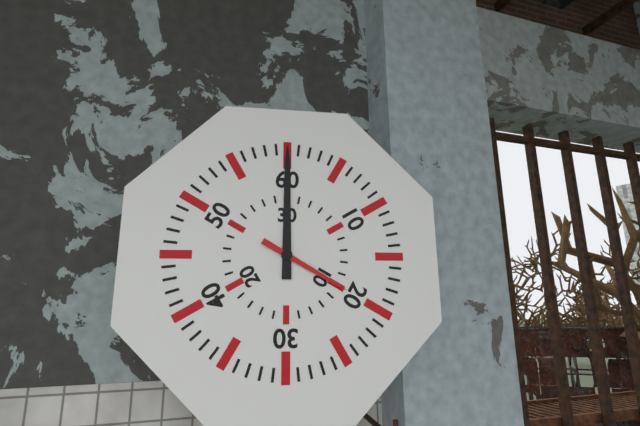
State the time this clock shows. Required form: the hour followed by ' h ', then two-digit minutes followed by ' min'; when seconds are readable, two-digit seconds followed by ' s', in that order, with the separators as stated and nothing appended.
4 h 00 min
